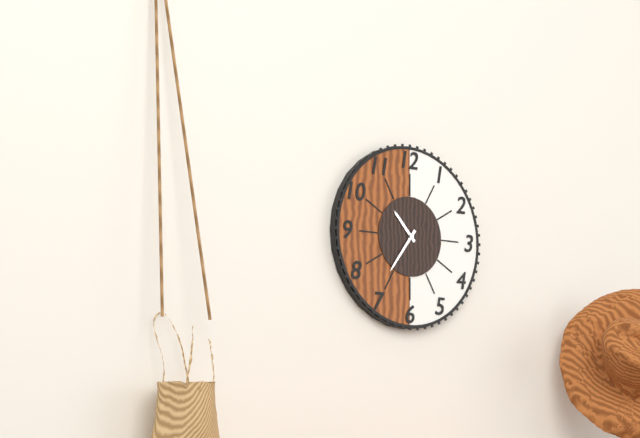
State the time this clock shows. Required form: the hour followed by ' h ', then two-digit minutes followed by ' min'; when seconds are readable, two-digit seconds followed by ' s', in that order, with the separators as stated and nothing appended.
10 h 36 min
